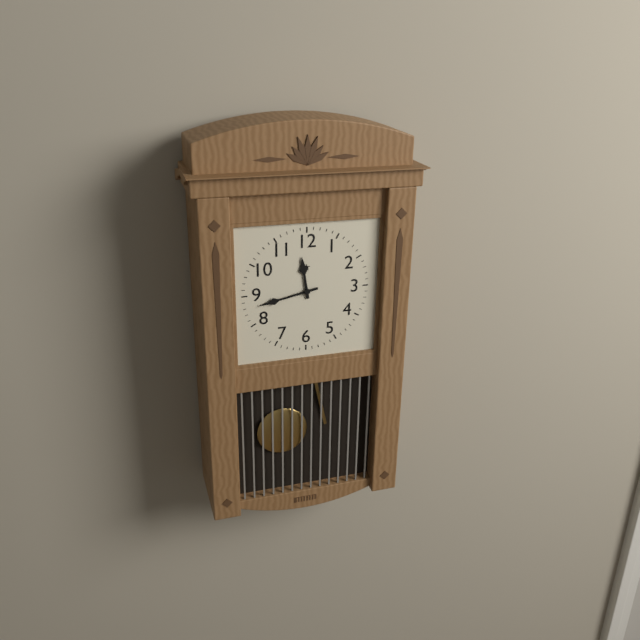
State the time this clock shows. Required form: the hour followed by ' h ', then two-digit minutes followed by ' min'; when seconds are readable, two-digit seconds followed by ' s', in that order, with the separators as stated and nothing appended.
11 h 43 min
